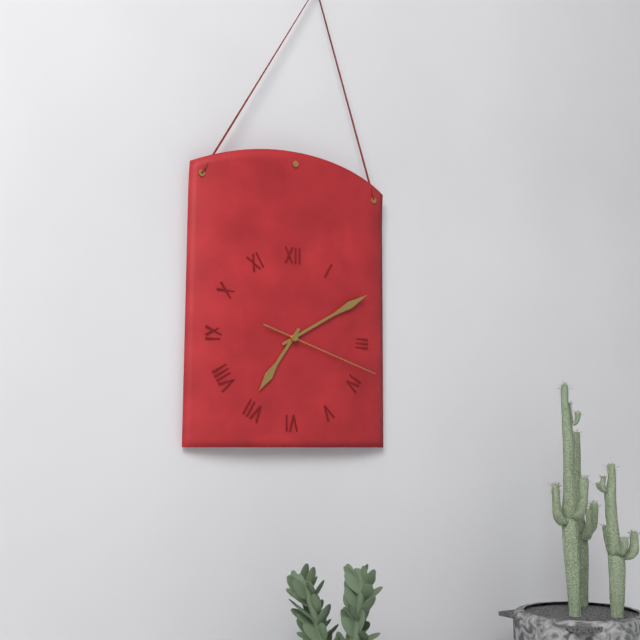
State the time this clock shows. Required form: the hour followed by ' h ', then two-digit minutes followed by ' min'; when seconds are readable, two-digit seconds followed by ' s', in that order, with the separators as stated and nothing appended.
7 h 10 min 18 s
